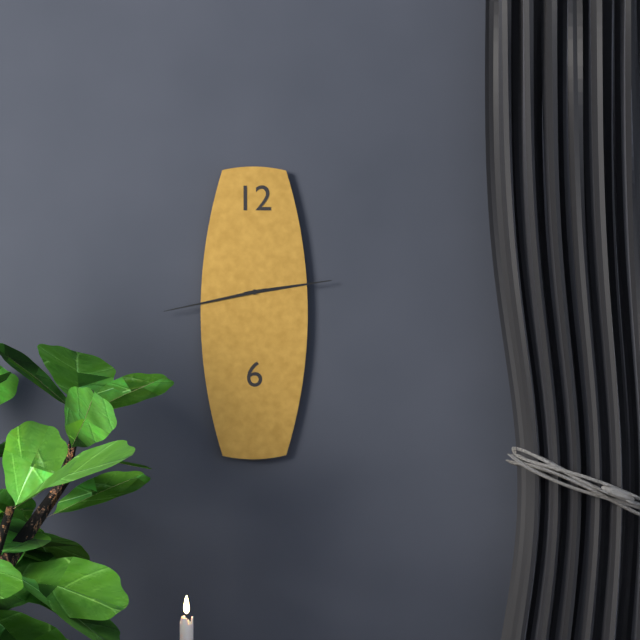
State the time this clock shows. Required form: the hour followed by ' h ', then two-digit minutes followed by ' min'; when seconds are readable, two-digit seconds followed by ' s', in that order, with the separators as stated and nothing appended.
2 h 43 min
